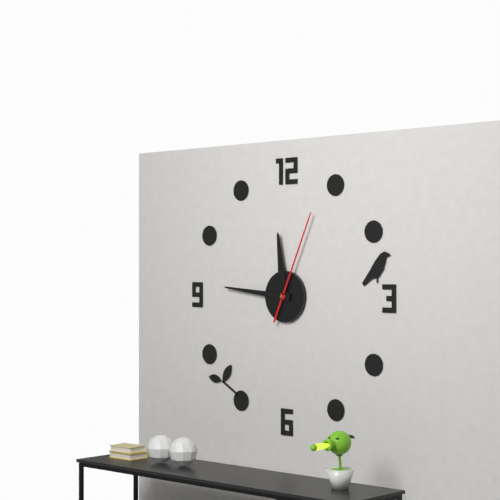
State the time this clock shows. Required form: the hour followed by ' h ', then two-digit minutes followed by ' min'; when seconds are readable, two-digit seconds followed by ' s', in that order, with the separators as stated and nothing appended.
11 h 46 min 04 s
